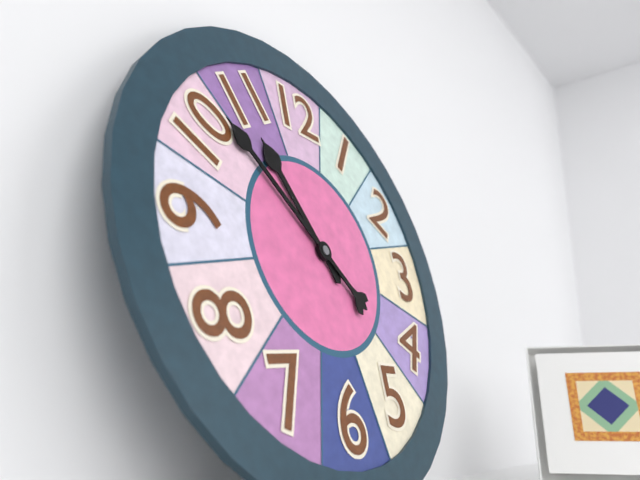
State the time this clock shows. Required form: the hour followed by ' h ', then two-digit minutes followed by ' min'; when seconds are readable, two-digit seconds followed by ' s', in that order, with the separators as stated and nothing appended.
10 h 52 min
